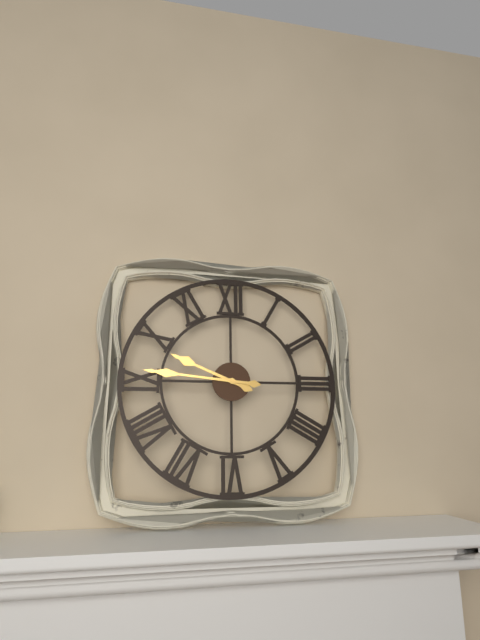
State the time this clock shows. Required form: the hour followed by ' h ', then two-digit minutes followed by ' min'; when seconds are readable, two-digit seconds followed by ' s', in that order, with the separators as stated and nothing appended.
9 h 46 min
